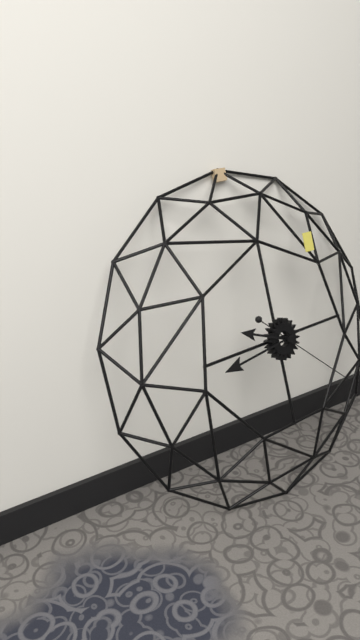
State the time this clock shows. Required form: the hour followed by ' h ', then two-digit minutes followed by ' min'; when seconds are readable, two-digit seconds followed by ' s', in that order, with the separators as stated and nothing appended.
9 h 44 min 22 s
